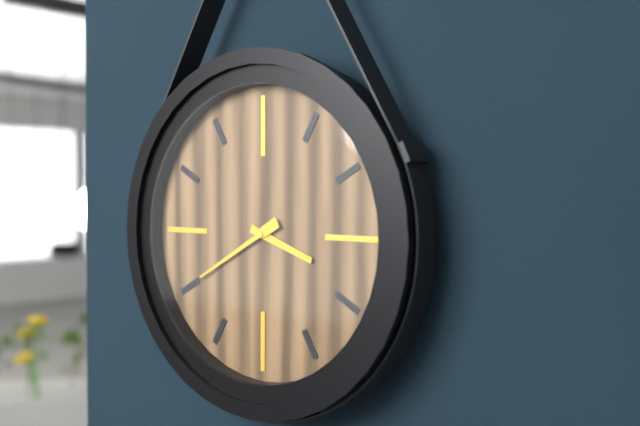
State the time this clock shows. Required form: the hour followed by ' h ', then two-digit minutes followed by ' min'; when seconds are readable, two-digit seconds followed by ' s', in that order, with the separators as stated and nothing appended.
3 h 40 min
